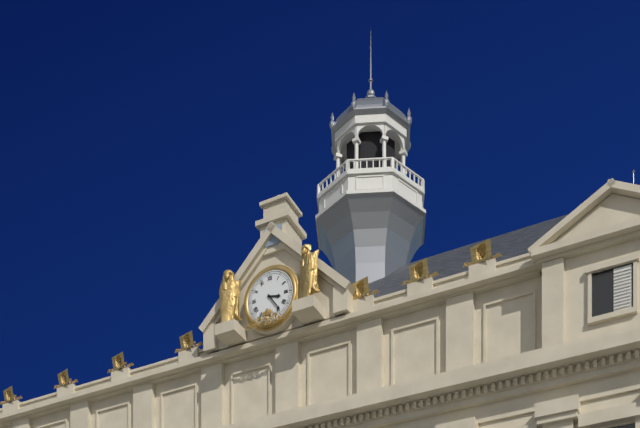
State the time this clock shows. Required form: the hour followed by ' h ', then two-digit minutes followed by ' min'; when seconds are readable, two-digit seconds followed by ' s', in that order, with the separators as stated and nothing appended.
3 h 24 min
